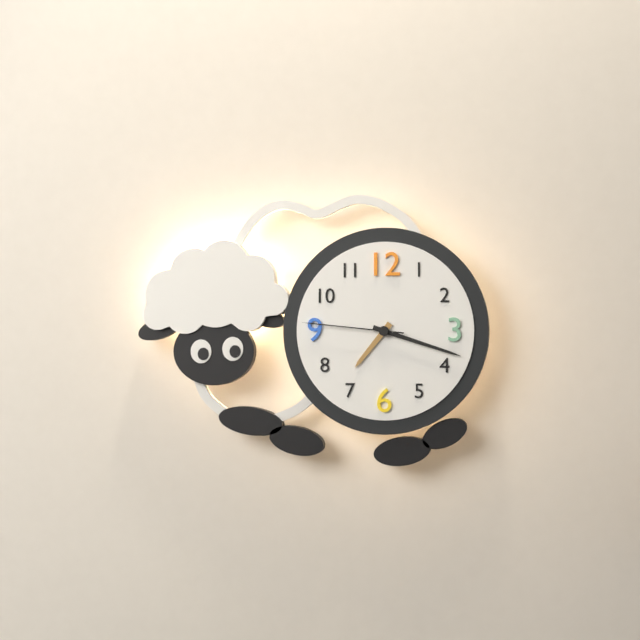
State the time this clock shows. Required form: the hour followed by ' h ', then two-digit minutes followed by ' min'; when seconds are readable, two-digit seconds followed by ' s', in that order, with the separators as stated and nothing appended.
7 h 18 min 46 s
